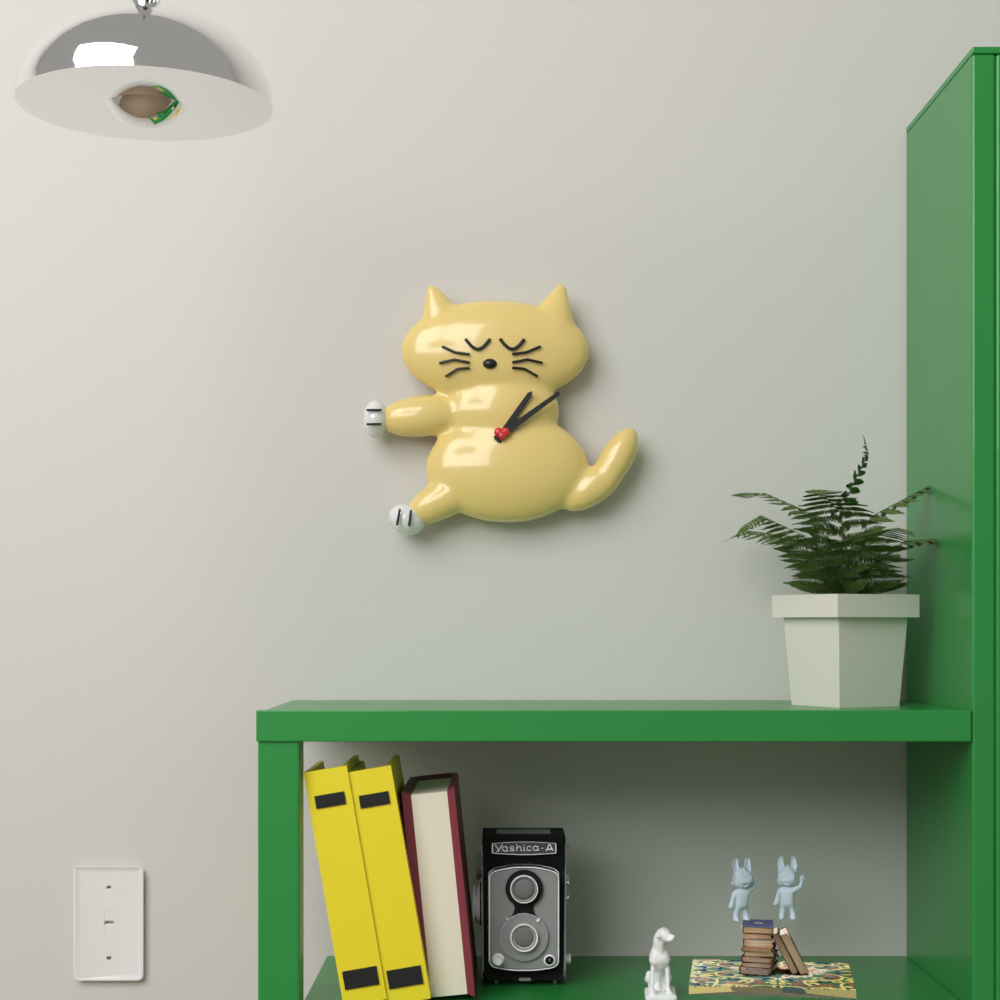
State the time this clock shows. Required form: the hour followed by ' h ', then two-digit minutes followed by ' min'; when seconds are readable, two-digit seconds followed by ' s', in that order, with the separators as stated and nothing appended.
1 h 09 min
